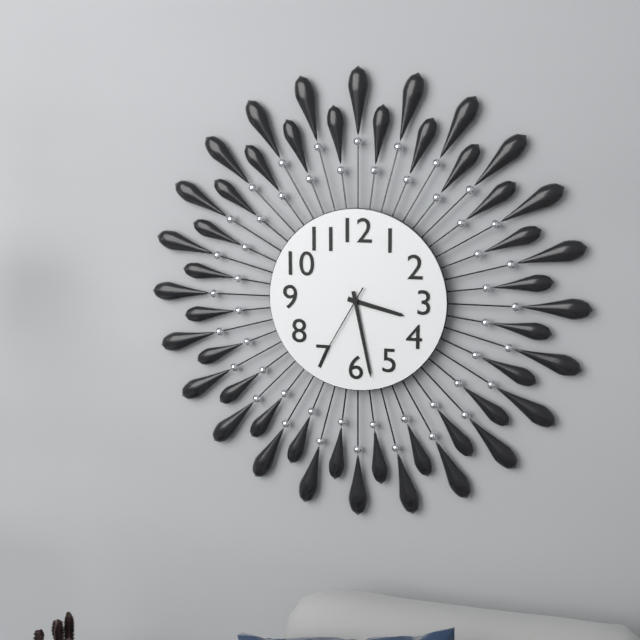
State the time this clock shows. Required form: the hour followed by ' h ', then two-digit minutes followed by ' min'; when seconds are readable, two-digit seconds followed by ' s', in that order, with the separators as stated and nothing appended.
3 h 28 min 35 s
